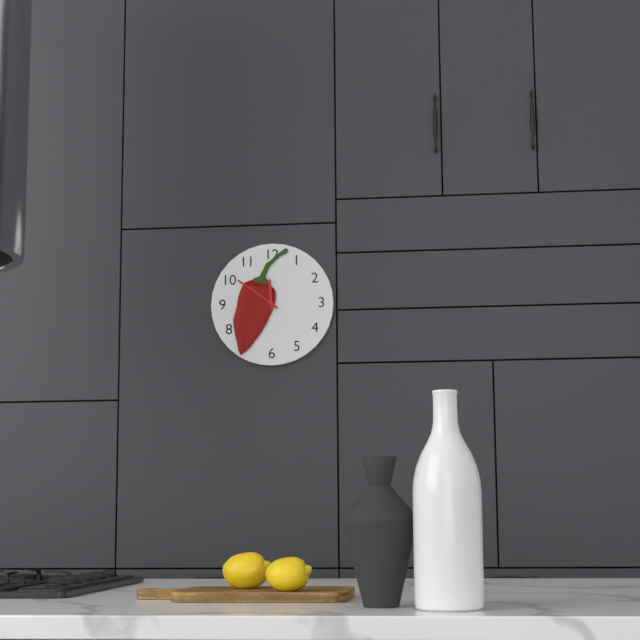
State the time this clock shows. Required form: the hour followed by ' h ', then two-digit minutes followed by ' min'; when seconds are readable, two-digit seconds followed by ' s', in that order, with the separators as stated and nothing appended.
11 h 51 min
